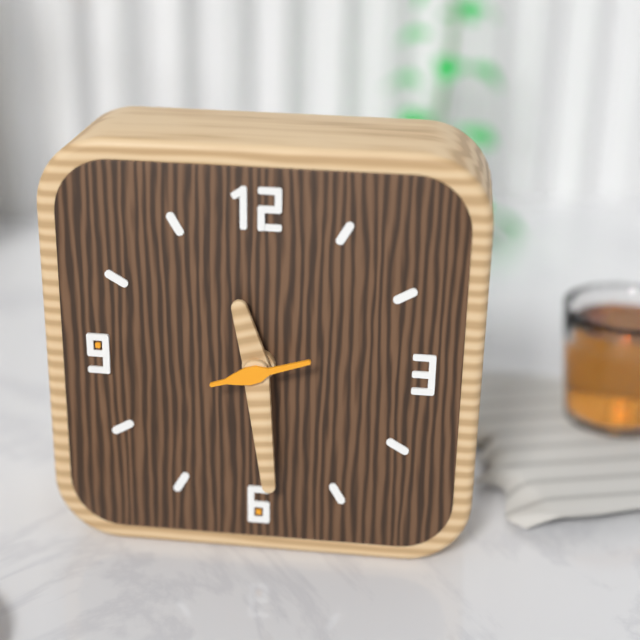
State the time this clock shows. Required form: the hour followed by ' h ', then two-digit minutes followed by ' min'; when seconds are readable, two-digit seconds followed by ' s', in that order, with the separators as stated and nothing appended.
11 h 29 min 12 s
